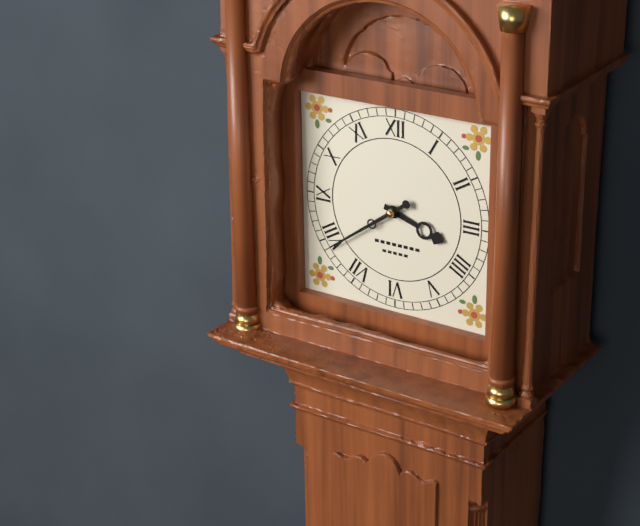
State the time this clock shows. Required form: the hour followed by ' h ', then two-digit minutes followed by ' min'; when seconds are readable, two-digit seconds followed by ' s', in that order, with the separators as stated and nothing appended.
3 h 39 min
